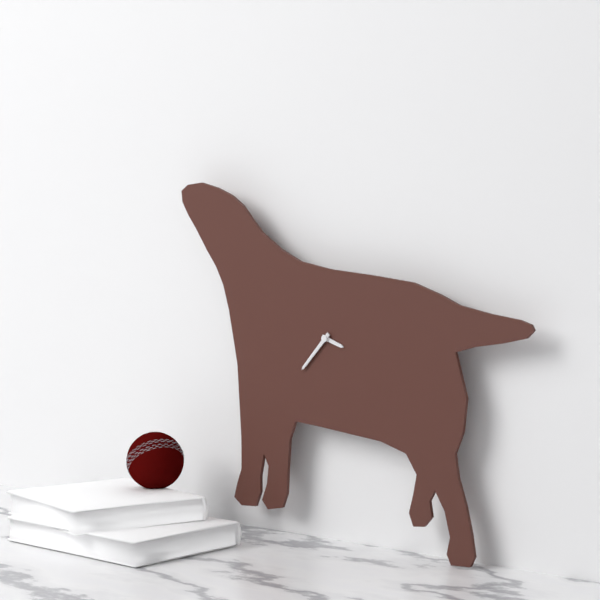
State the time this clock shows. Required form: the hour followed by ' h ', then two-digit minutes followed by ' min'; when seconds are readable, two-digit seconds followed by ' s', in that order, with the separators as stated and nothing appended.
3 h 37 min
